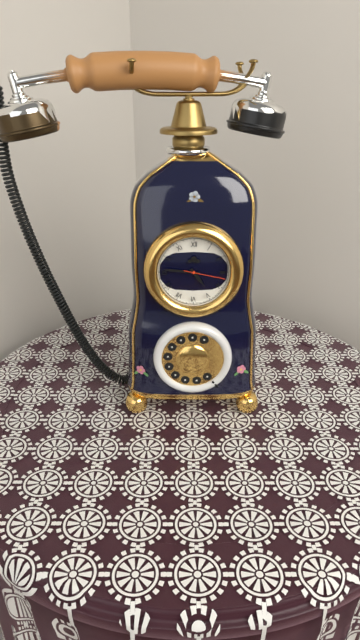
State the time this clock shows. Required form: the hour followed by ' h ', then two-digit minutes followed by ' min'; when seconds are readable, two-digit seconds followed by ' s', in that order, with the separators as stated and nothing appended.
4 h 46 min
